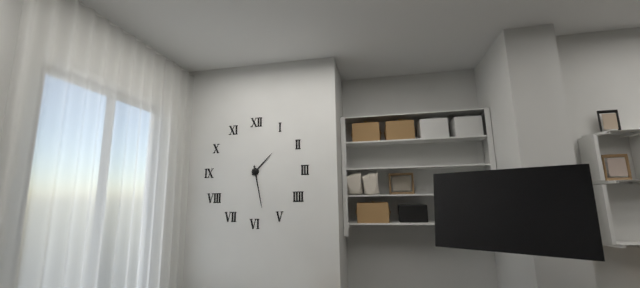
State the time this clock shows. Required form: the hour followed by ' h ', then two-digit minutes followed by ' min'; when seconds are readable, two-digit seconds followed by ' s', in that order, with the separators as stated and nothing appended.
1 h 28 min
